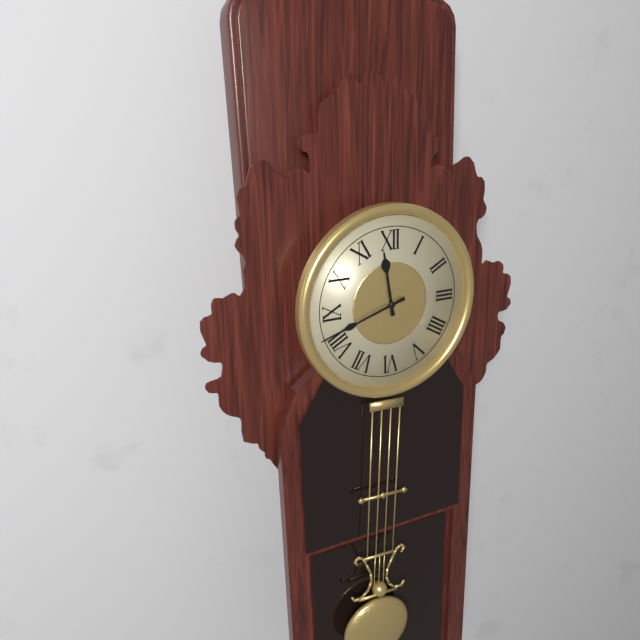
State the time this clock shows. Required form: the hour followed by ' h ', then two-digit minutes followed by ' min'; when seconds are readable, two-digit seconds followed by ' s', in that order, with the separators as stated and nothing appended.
11 h 42 min
